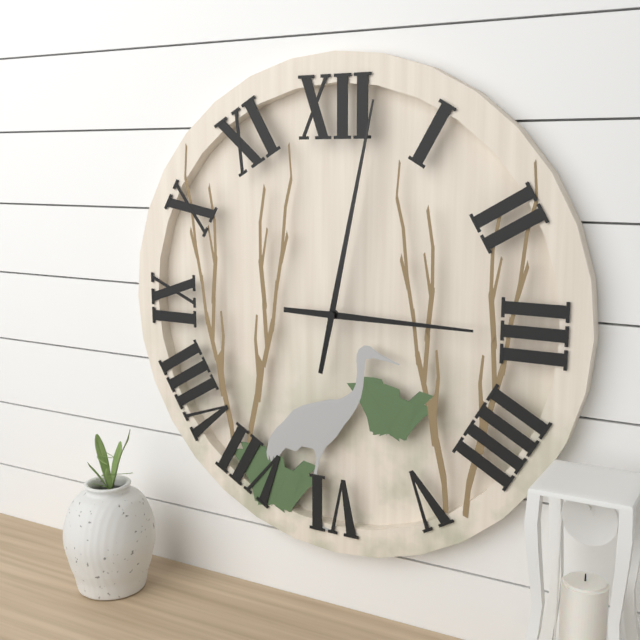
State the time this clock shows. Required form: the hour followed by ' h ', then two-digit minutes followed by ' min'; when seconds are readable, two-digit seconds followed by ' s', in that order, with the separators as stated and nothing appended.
3 h 02 min
